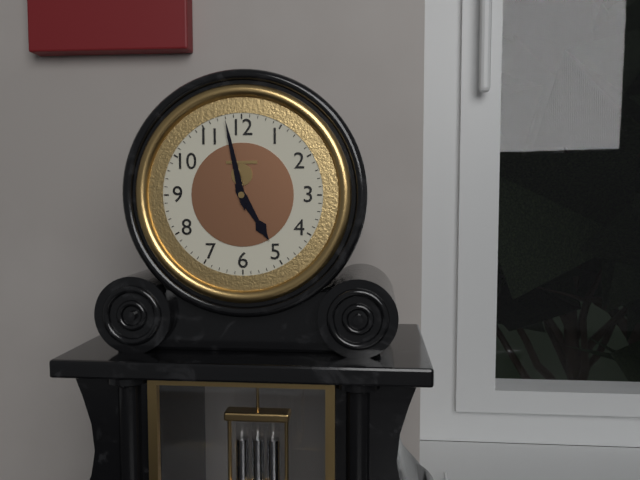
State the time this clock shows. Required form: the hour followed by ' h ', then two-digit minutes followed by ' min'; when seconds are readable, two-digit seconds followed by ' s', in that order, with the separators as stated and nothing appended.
4 h 58 min
